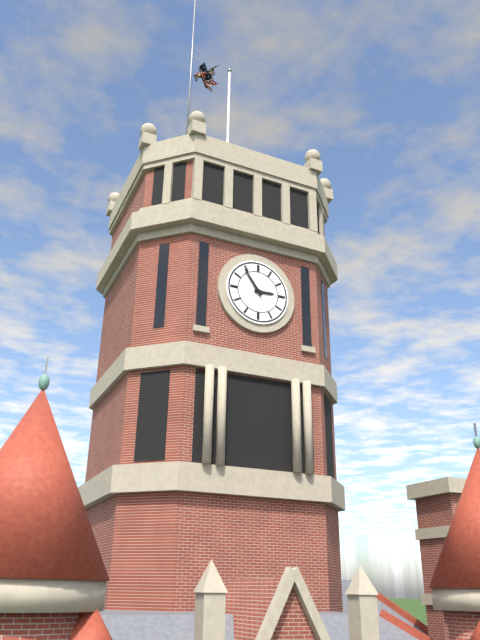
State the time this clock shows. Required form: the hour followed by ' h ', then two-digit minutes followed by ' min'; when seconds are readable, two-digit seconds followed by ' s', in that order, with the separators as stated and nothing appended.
2 h 54 min
